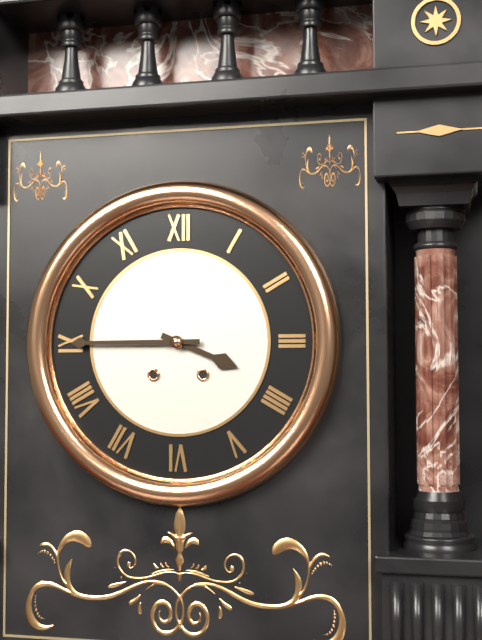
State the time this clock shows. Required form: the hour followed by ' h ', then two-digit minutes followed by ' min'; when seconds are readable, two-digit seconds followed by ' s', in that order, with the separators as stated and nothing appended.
3 h 45 min
